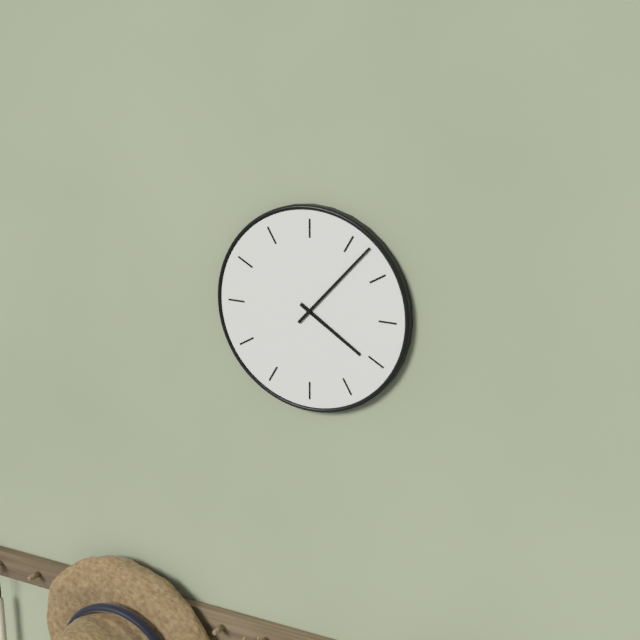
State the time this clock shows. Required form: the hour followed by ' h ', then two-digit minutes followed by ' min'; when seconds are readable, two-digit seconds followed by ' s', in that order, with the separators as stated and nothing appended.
4 h 07 min
